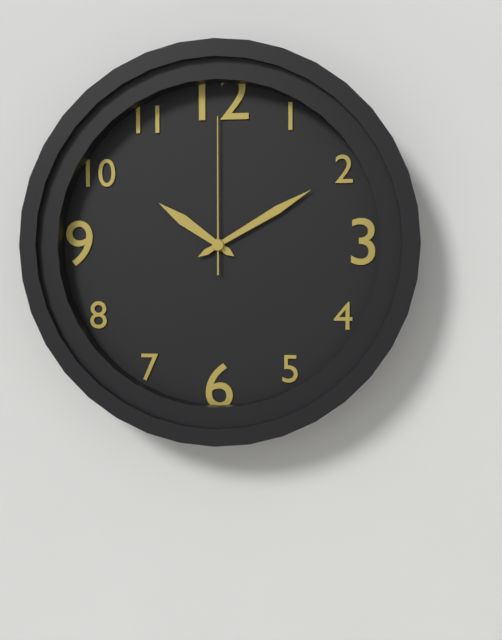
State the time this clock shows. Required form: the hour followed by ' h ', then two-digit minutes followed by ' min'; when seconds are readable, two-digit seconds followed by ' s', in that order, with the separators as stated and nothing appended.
10 h 10 min 00 s
